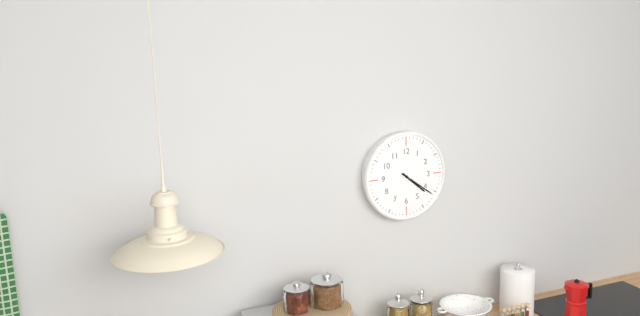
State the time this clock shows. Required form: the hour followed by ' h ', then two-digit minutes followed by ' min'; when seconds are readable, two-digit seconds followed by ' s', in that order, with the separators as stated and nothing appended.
4 h 21 min
